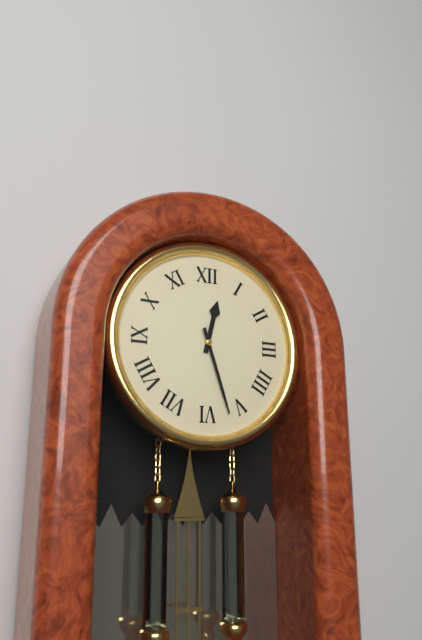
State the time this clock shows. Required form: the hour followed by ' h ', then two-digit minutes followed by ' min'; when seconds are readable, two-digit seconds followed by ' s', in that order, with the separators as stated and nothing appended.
12 h 27 min
